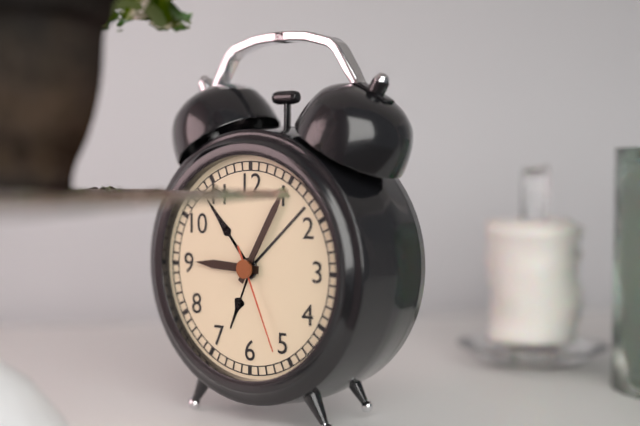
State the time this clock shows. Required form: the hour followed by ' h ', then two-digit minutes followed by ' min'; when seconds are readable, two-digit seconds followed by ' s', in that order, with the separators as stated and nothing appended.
9 h 05 min 26 s
